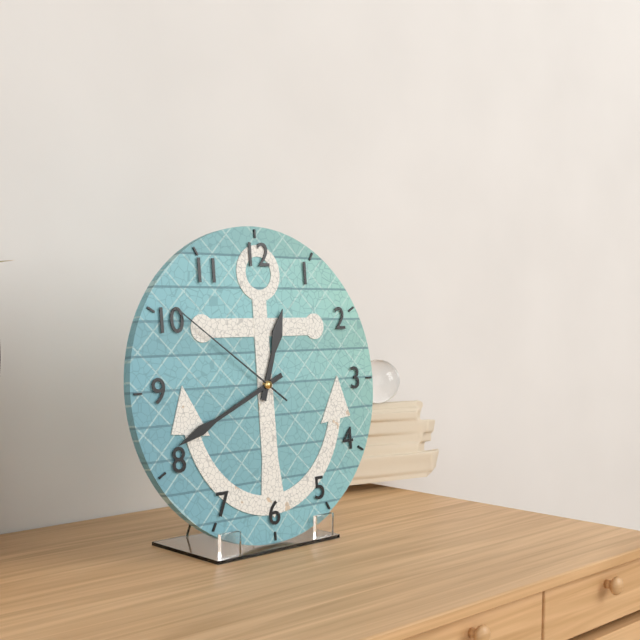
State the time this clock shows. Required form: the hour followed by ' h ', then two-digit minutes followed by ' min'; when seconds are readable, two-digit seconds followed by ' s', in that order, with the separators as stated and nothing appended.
12 h 41 min 51 s
